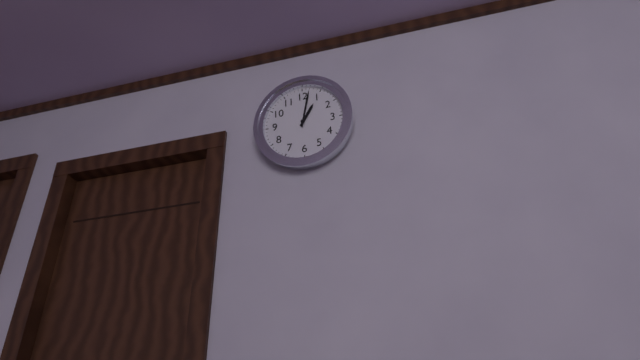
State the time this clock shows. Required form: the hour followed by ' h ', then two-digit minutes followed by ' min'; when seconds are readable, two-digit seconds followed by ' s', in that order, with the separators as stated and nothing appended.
1 h 02 min
